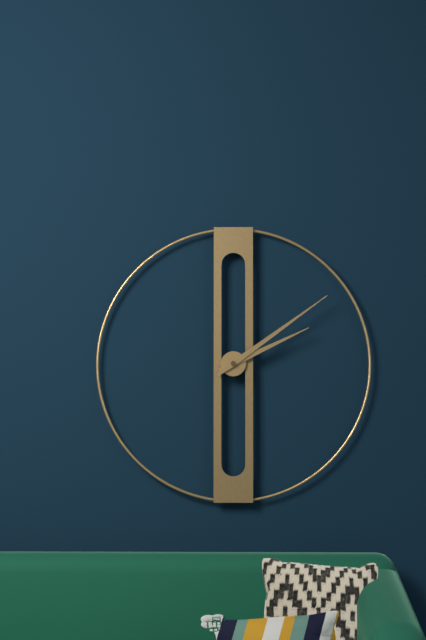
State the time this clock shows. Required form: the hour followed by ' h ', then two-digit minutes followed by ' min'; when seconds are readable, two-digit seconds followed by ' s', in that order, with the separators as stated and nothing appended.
2 h 09 min
